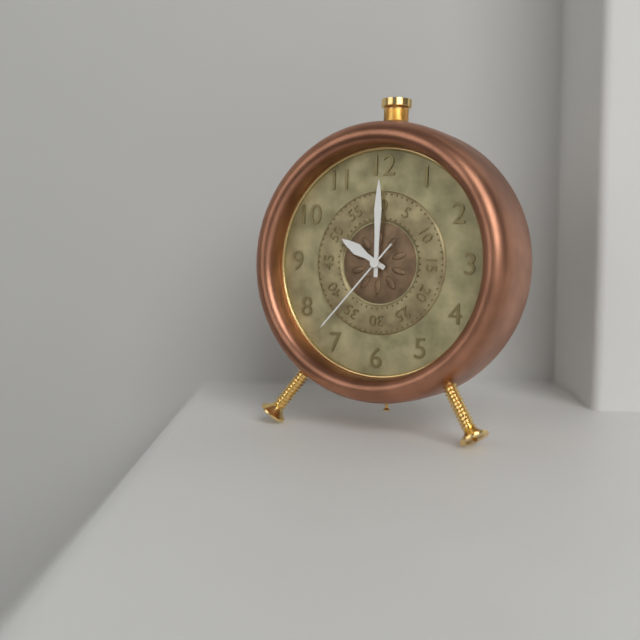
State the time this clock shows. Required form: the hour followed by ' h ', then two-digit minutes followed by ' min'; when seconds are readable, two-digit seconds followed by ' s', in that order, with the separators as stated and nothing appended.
10 h 00 min 37 s
